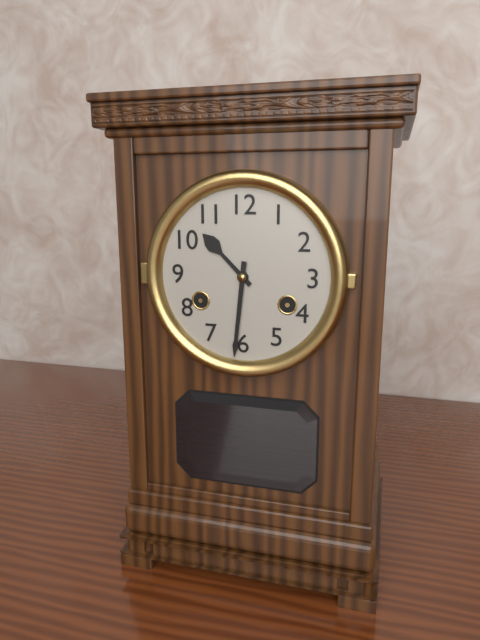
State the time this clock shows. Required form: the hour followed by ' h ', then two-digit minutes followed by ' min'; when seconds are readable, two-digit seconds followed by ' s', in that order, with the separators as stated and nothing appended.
10 h 31 min
